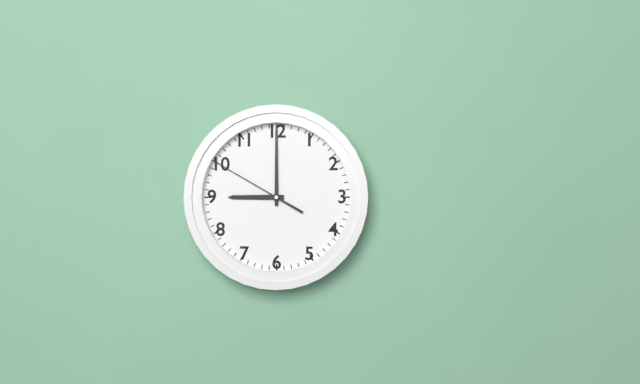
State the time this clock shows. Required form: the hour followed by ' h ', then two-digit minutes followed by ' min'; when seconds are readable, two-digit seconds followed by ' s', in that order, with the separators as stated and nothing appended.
9 h 00 min 50 s
